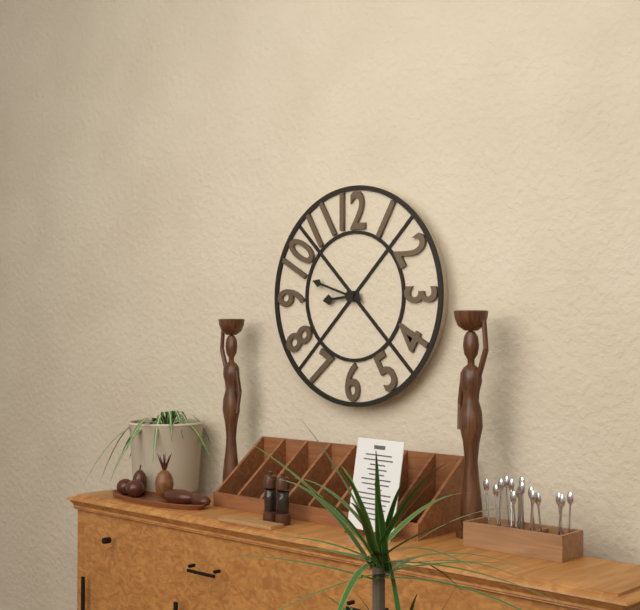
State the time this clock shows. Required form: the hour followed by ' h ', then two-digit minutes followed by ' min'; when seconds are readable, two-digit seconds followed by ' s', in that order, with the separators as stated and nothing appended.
8 h 48 min
